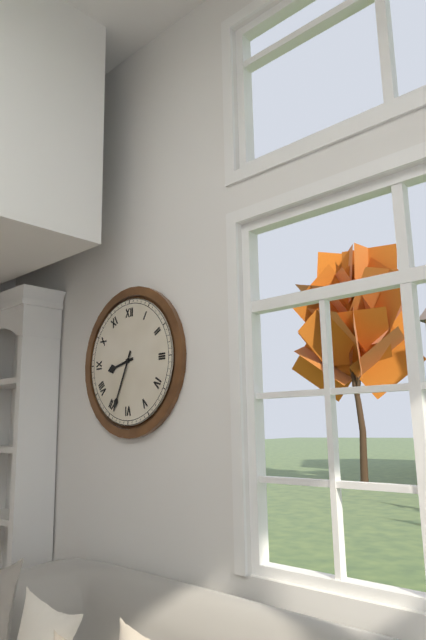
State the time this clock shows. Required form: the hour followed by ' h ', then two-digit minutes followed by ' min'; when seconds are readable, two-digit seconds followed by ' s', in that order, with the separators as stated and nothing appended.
8 h 34 min
